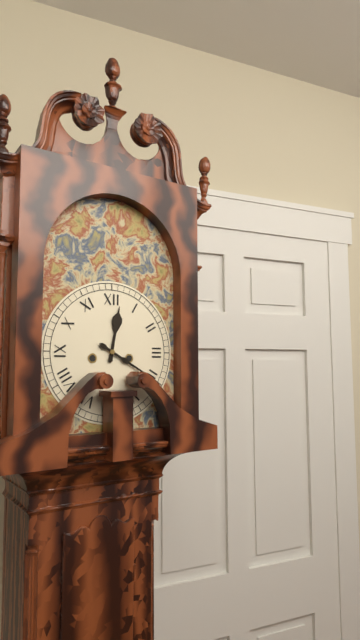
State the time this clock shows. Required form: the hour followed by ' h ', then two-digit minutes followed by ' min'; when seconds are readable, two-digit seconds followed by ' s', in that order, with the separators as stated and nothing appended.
12 h 20 min
